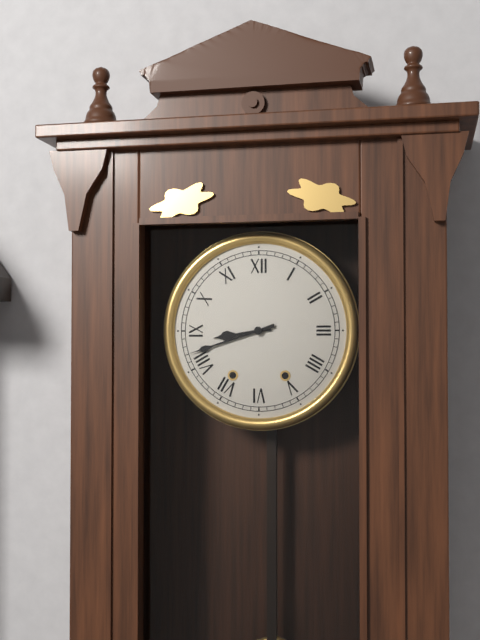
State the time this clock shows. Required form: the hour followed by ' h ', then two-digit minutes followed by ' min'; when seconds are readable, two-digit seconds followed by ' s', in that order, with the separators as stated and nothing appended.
8 h 42 min
